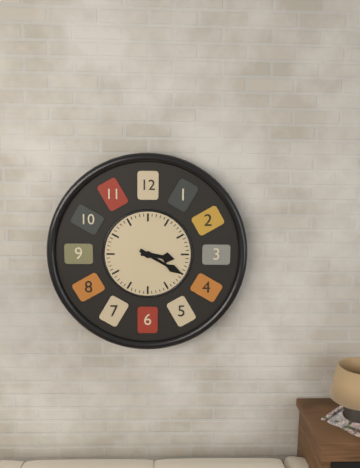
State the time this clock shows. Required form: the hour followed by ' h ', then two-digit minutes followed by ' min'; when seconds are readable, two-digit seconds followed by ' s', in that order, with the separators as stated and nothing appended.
3 h 20 min
